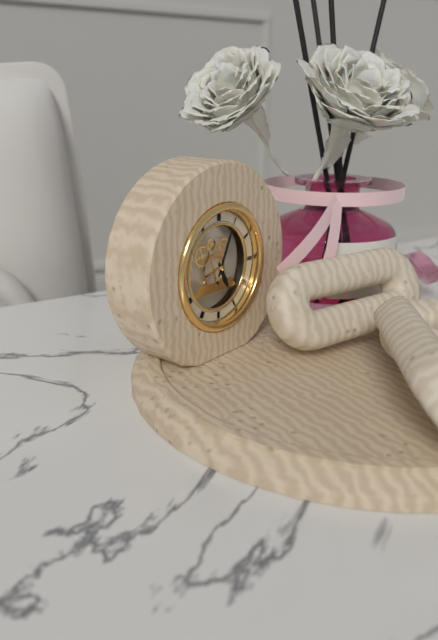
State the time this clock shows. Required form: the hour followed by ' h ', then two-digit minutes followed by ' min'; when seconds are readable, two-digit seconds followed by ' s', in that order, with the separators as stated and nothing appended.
5 h 04 min
